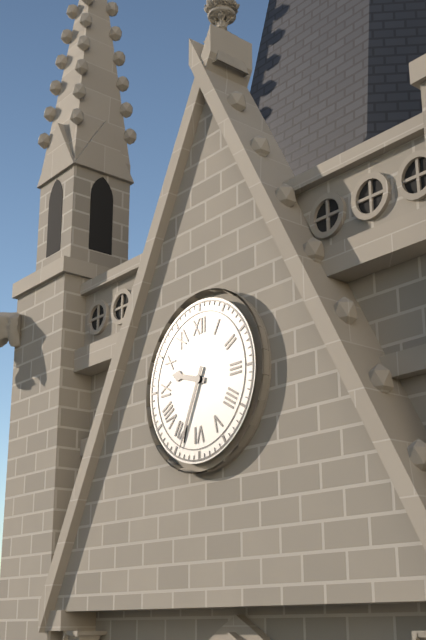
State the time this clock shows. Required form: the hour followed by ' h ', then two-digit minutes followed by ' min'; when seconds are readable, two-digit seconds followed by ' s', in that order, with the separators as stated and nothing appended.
9 h 34 min
